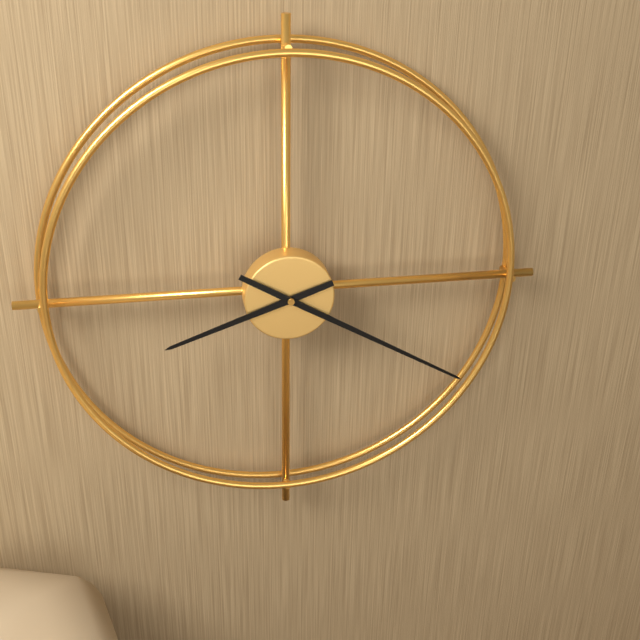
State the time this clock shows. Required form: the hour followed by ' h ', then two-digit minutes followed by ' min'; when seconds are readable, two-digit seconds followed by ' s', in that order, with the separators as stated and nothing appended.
8 h 20 min
